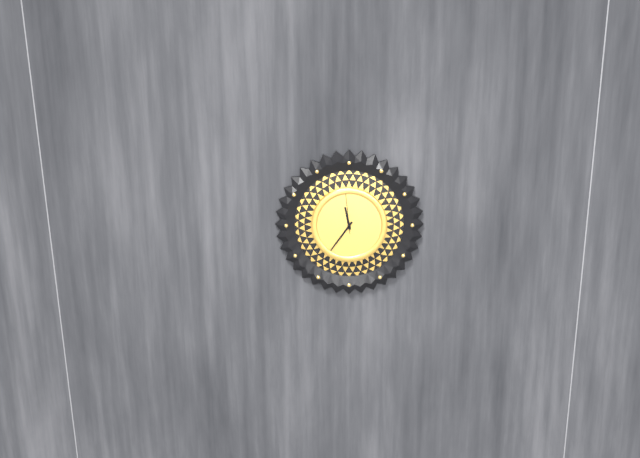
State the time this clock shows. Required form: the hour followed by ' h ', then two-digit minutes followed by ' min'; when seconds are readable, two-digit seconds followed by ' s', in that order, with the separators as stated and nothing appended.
11 h 36 min
